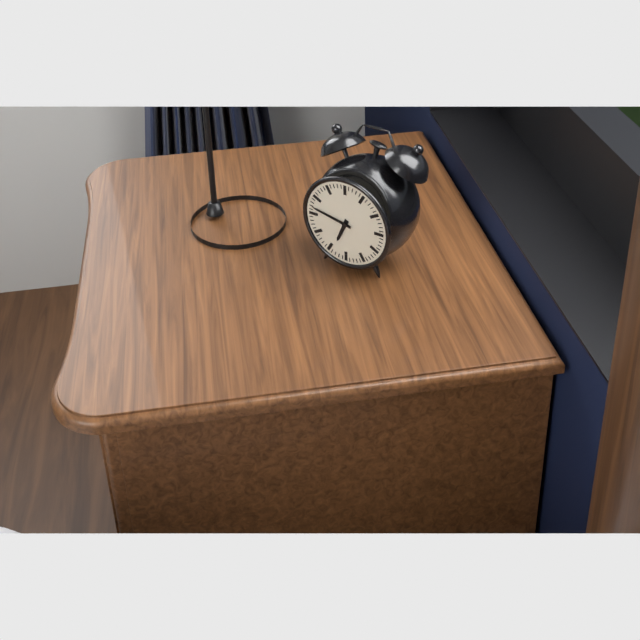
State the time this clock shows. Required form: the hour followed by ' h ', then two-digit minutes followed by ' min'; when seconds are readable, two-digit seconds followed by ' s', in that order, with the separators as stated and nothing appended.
6 h 47 min
